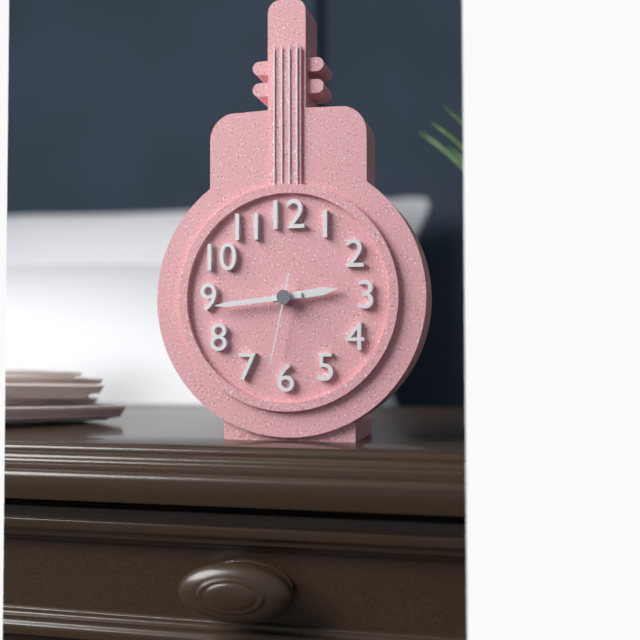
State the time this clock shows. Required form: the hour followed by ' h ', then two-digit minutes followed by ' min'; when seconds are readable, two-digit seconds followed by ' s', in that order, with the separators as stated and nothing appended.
2 h 44 min 32 s
